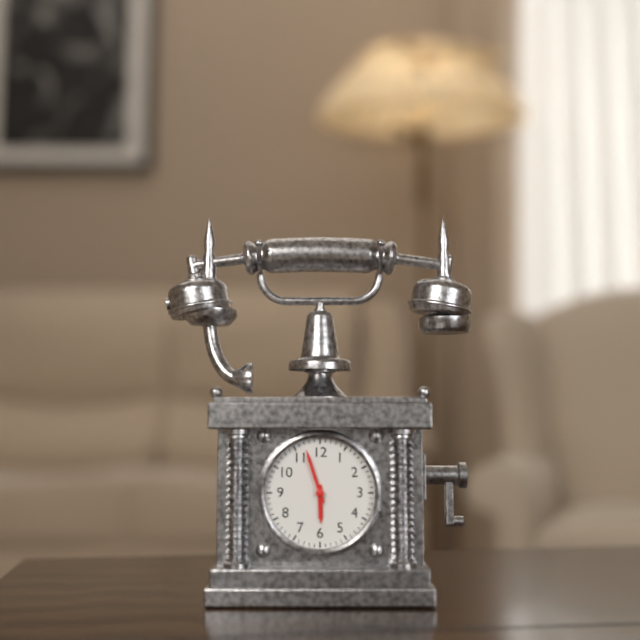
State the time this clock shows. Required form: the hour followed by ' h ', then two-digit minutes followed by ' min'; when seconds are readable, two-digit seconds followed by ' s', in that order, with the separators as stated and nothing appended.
5 h 57 min
